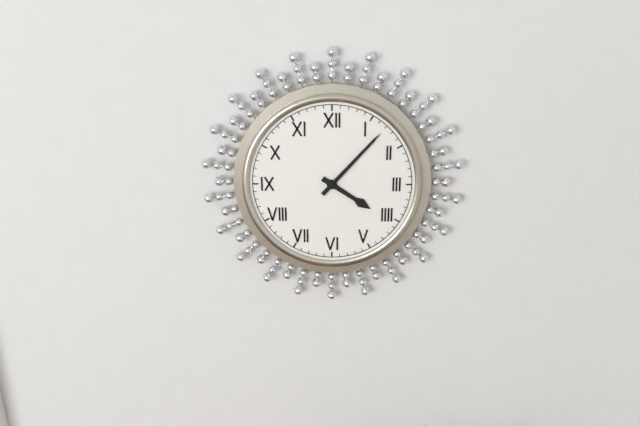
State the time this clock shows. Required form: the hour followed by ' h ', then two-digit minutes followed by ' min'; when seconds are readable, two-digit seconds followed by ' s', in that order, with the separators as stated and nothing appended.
4 h 07 min
